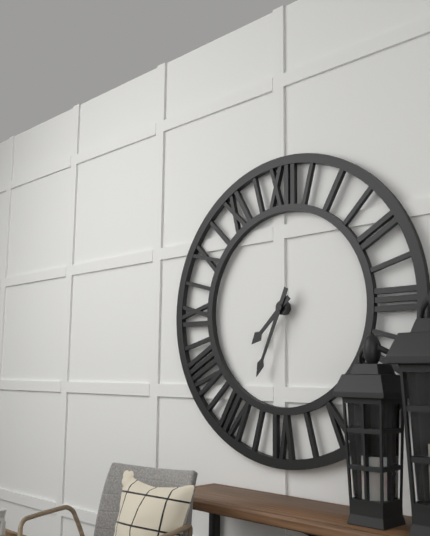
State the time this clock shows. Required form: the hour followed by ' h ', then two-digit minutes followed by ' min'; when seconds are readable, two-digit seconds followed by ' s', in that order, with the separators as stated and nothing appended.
7 h 34 min
